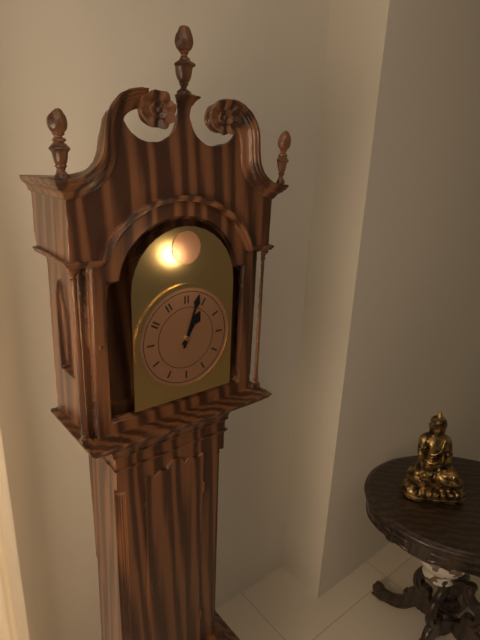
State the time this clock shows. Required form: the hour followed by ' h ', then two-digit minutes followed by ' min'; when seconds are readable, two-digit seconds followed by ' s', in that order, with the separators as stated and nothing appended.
1 h 03 min
